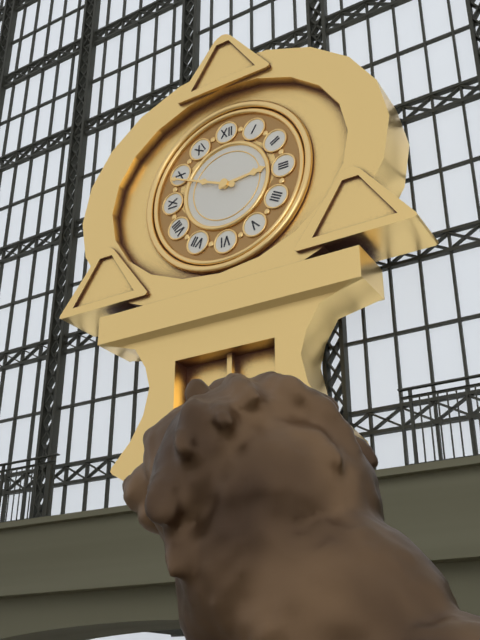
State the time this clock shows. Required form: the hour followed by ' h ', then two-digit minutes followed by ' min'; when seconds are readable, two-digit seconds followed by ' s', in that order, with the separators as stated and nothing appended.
2 h 49 min
